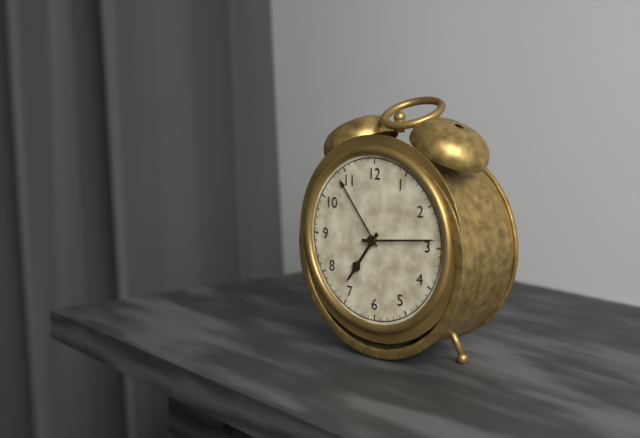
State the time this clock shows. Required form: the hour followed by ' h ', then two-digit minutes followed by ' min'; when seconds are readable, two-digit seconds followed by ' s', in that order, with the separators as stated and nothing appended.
7 h 14 min
